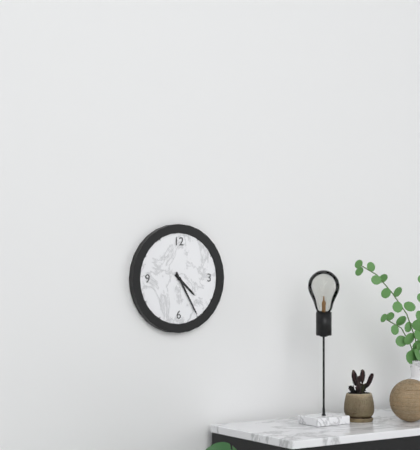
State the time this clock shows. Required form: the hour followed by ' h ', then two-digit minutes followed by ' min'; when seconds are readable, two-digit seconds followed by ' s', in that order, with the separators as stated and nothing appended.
4 h 25 min
